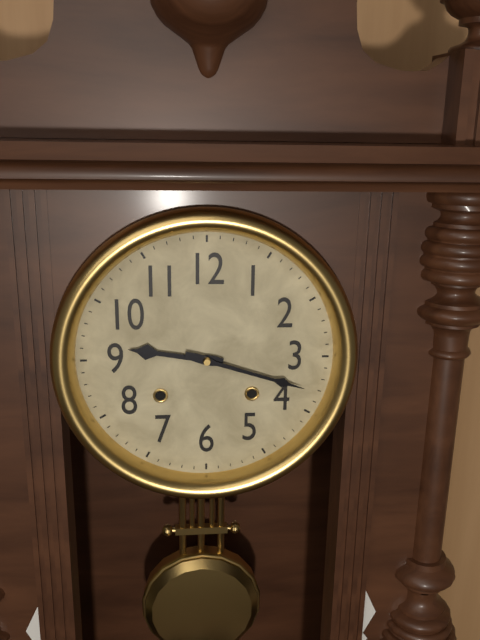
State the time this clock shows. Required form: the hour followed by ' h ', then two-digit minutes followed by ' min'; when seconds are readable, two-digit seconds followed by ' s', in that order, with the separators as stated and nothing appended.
9 h 18 min
